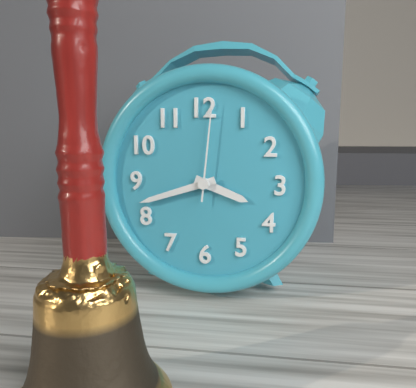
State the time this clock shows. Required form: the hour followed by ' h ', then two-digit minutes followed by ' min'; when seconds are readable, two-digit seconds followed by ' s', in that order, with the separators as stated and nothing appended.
3 h 42 min 01 s
